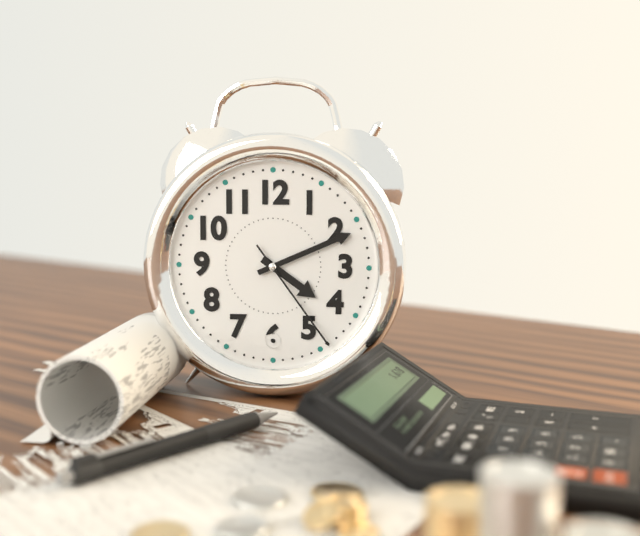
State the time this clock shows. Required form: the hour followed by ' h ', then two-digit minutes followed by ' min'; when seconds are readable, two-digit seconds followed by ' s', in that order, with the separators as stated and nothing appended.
4 h 11 min 24 s
